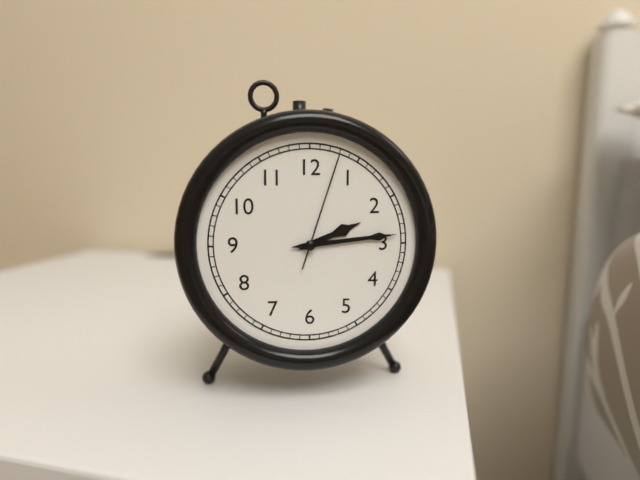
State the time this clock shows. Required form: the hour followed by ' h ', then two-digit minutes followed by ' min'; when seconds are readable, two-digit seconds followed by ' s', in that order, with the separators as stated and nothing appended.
2 h 14 min 03 s
